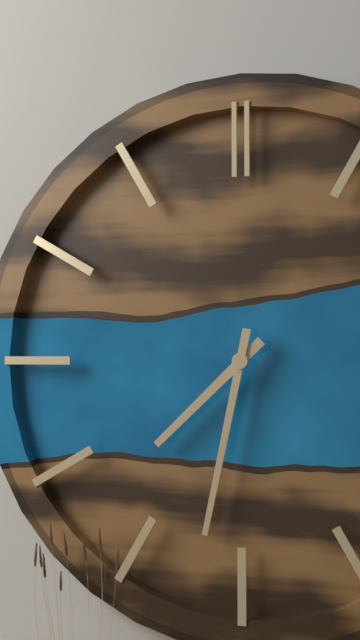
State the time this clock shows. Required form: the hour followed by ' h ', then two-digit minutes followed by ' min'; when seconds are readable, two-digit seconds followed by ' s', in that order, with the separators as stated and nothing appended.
7 h 32 min
